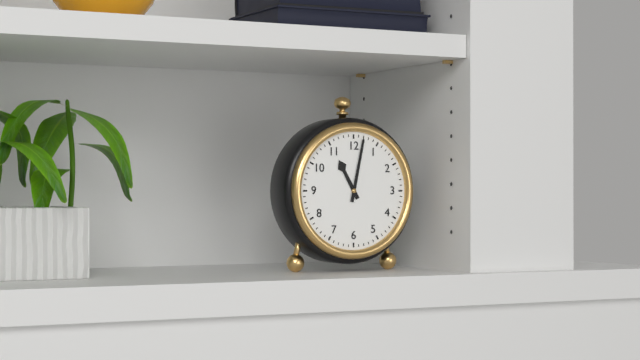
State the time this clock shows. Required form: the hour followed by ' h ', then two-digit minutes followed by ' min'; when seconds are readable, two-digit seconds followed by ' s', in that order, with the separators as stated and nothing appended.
11 h 02 min
